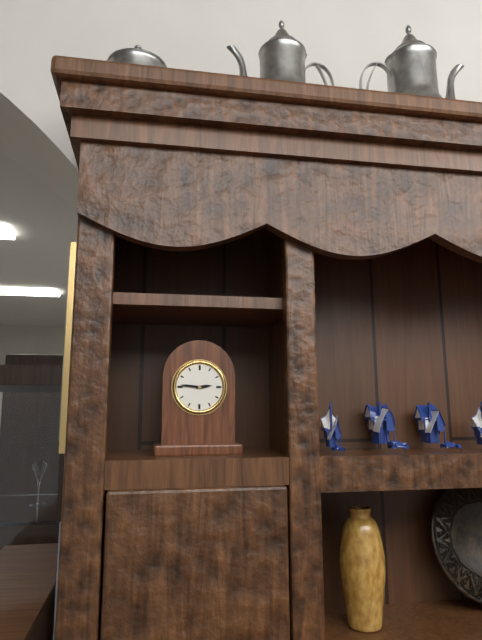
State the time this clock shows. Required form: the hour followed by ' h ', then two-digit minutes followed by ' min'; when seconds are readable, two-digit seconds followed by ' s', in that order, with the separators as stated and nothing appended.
2 h 46 min
